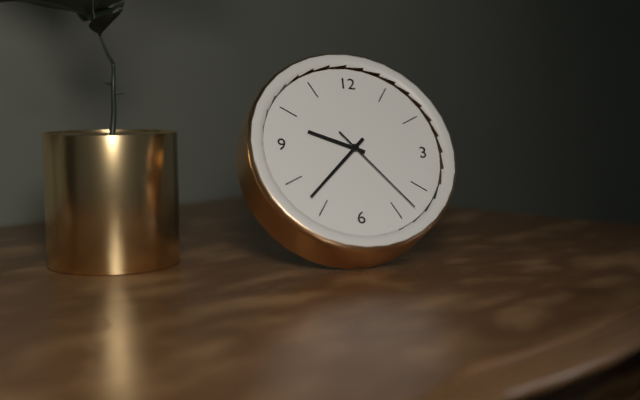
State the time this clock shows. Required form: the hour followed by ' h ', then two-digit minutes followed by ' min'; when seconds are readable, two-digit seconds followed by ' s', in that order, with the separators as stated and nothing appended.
9 h 37 min 23 s
